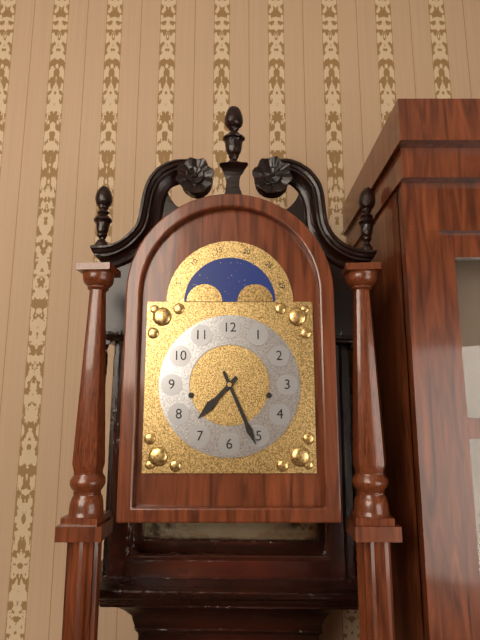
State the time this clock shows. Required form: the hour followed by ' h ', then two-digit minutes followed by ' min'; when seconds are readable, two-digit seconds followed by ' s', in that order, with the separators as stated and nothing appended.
7 h 26 min
